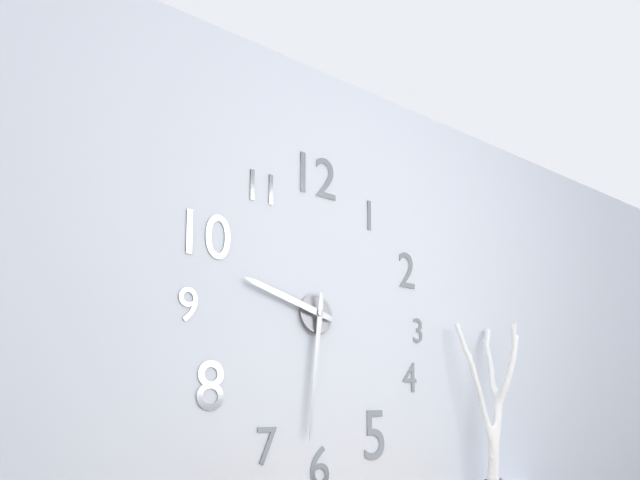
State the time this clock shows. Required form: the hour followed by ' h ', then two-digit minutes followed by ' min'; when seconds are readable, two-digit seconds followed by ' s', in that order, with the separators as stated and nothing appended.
9 h 31 min
